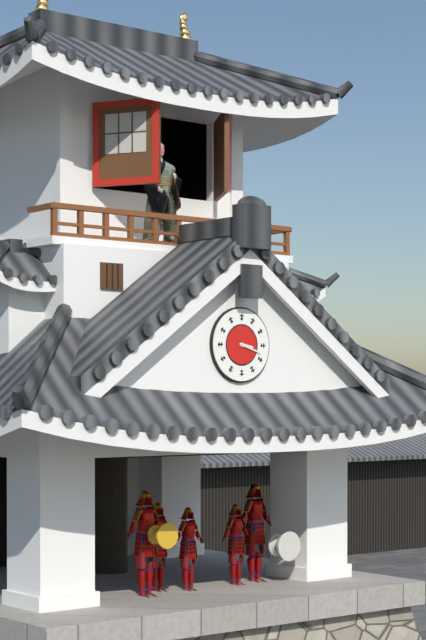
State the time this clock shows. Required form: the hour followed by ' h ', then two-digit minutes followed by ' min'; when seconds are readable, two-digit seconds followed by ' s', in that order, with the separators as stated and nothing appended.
3 h 18 min
